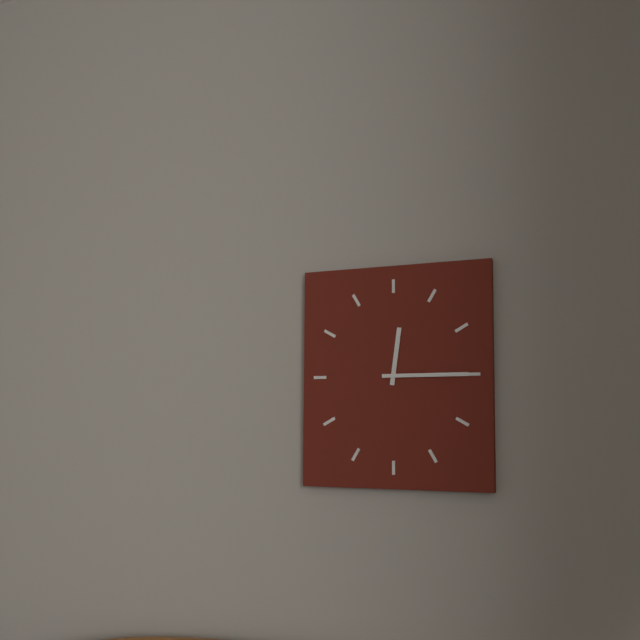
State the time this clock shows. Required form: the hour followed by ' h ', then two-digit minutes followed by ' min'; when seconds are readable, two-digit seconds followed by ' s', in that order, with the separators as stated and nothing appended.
12 h 15 min
